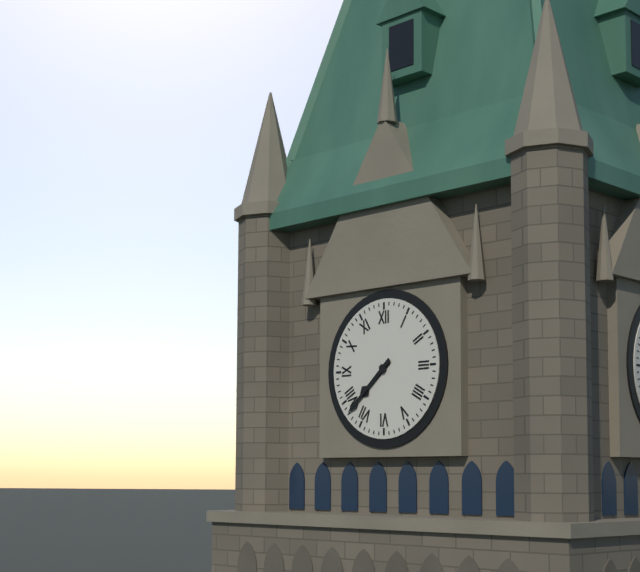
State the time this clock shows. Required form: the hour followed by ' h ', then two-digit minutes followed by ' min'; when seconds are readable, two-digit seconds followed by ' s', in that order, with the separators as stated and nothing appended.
7 h 38 min
